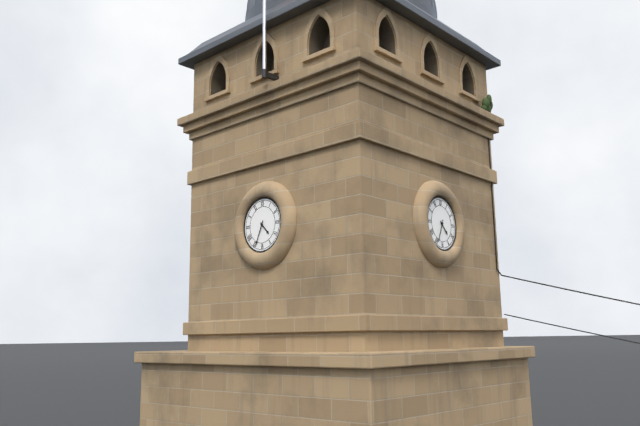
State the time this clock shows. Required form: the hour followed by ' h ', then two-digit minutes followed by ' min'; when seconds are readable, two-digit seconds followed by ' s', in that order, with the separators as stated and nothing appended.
4 h 34 min
